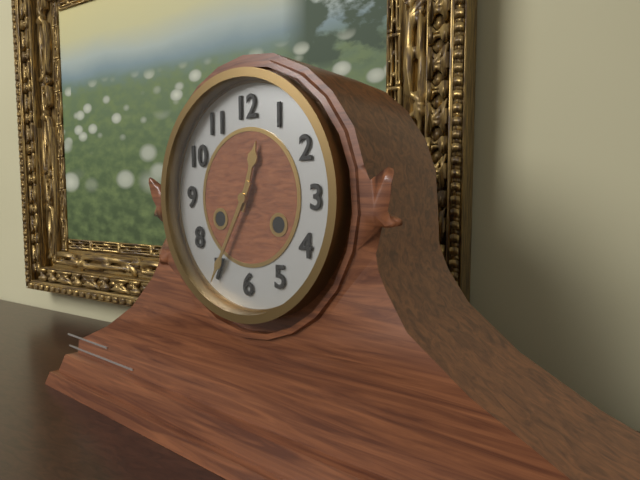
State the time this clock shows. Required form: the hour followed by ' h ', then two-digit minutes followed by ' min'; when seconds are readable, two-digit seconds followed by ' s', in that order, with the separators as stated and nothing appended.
12 h 35 min
